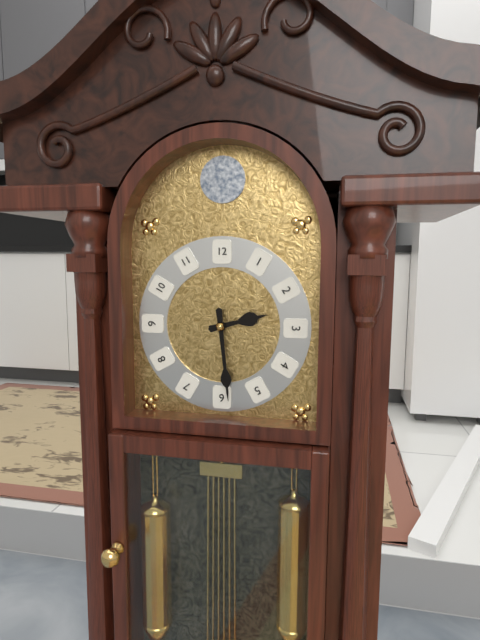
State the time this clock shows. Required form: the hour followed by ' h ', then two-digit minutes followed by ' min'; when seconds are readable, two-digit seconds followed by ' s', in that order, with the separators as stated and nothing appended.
2 h 29 min
